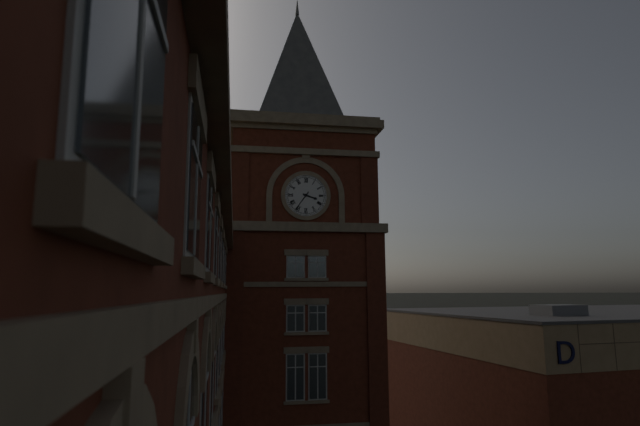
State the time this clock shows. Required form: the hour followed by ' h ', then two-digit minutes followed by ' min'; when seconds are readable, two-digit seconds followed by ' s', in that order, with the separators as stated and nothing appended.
3 h 36 min
